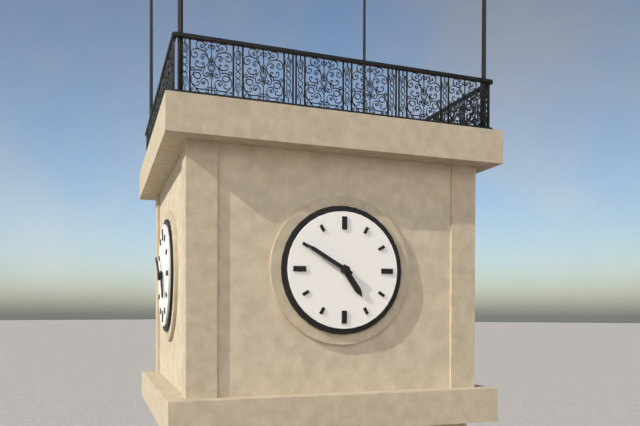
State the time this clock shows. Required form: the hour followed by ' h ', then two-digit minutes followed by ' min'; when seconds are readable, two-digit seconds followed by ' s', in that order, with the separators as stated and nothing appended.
4 h 50 min
